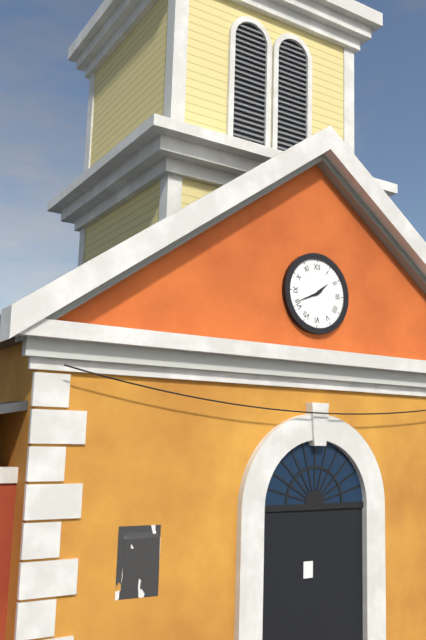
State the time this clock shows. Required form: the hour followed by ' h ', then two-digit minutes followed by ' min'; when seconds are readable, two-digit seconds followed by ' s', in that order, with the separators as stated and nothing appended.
1 h 41 min
